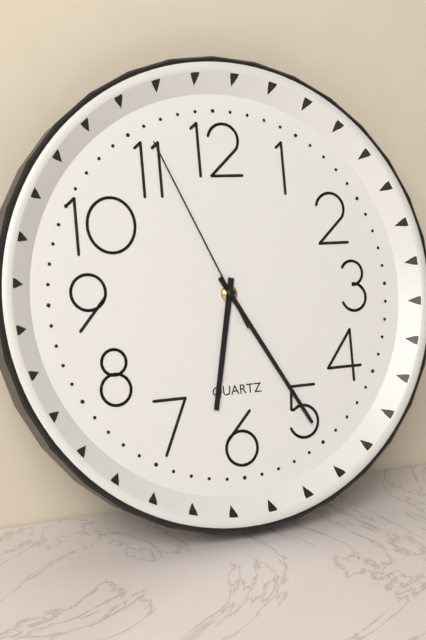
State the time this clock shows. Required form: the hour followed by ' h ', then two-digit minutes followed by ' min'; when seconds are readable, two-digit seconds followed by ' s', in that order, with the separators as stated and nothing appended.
6 h 25 min 56 s
